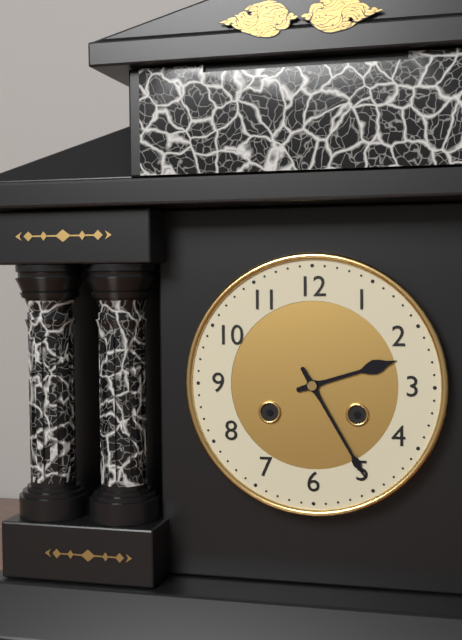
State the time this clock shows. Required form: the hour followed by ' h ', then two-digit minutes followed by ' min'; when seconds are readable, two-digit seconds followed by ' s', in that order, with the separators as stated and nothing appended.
2 h 25 min
